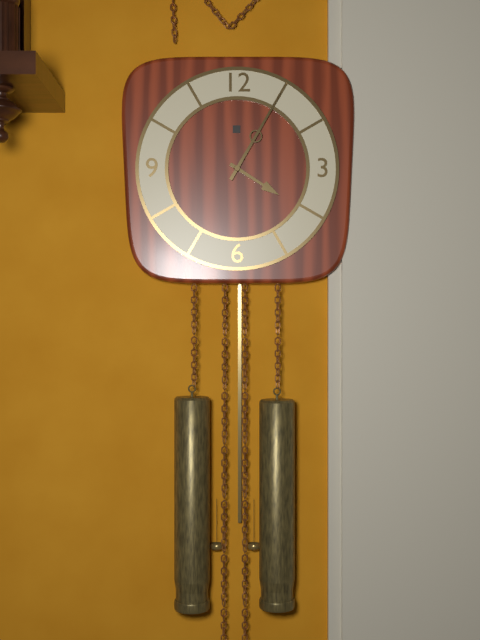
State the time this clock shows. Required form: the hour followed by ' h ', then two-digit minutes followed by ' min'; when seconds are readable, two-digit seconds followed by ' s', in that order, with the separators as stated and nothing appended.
4 h 05 min
